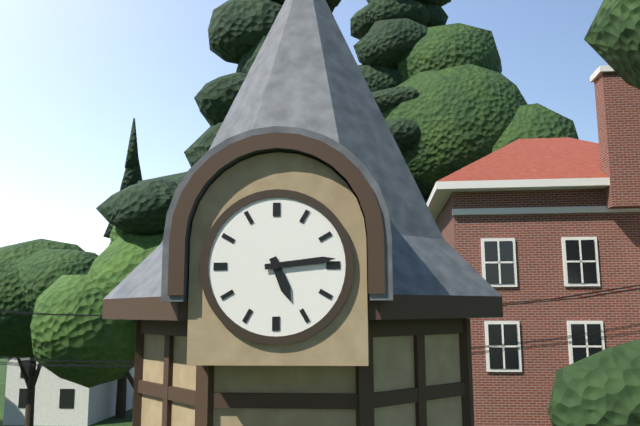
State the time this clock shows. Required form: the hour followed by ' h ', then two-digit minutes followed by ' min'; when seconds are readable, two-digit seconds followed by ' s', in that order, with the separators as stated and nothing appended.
5 h 14 min
